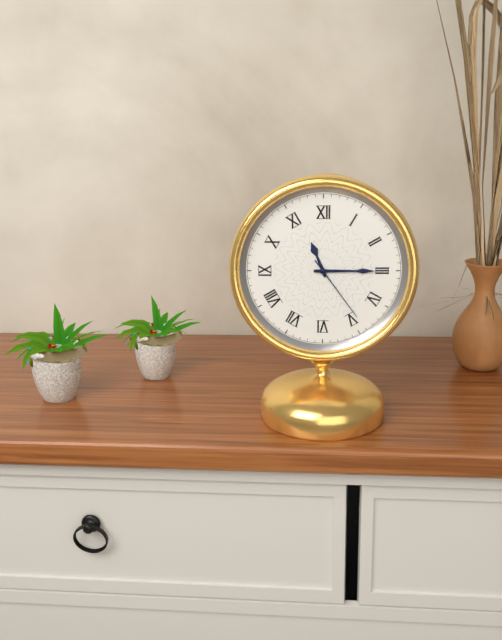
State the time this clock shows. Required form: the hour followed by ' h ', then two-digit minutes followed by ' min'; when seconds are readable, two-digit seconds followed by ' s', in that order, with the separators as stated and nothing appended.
11 h 15 min 24 s
